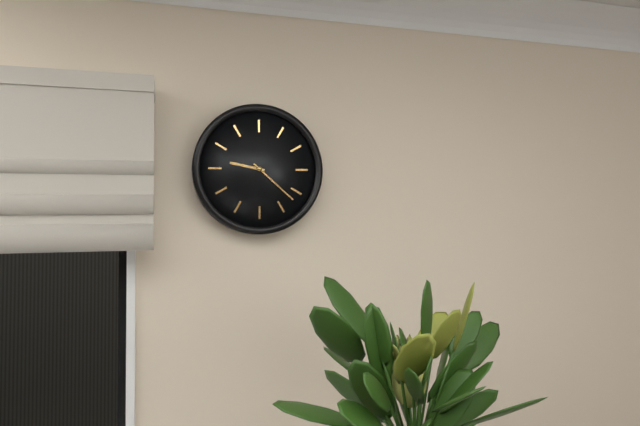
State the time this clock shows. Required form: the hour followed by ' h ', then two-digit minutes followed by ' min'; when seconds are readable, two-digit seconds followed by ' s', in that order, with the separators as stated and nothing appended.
9 h 22 min
